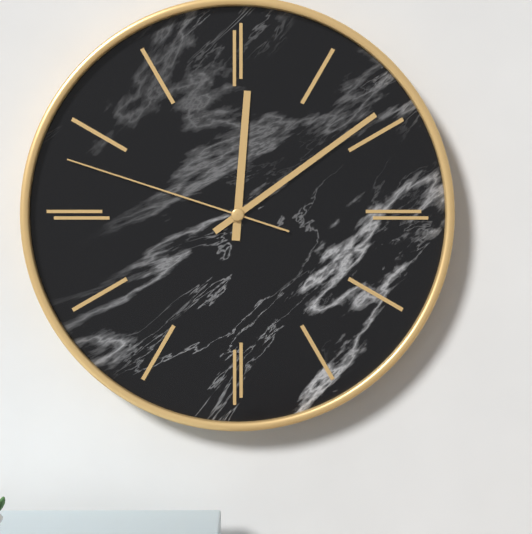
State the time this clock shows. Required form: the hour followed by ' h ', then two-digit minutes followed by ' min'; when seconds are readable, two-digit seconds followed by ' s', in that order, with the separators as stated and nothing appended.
12 h 09 min 48 s
